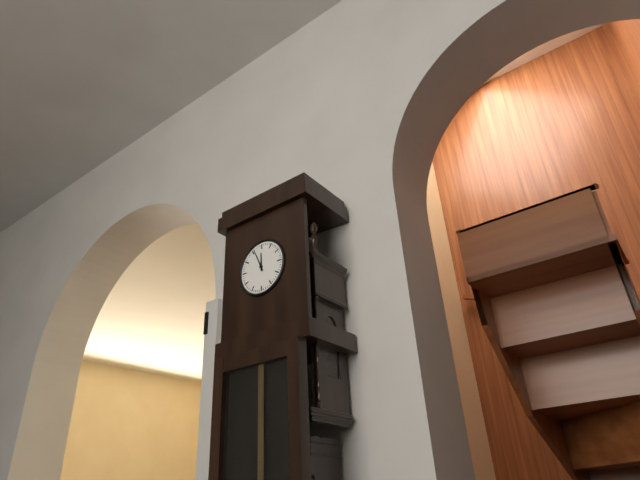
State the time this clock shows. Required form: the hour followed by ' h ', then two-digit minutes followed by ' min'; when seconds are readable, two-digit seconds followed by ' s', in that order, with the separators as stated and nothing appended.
11 h 56 min
